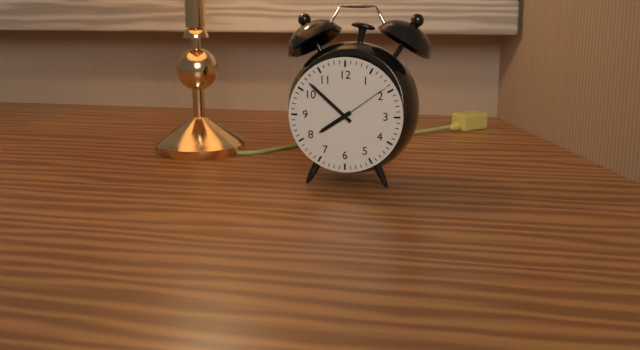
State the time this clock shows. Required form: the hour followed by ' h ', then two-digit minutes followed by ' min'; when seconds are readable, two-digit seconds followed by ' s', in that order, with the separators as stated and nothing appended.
7 h 52 min 09 s
